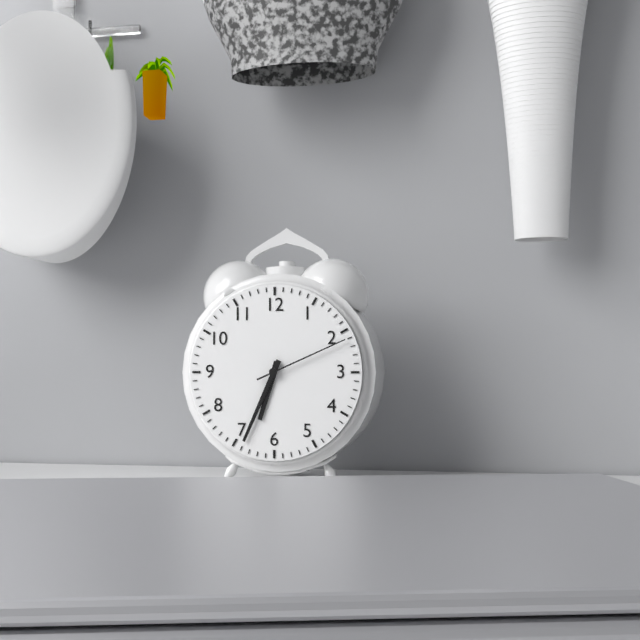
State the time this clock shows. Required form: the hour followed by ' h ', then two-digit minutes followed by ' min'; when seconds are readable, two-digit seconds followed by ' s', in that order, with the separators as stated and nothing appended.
6 h 34 min 11 s
